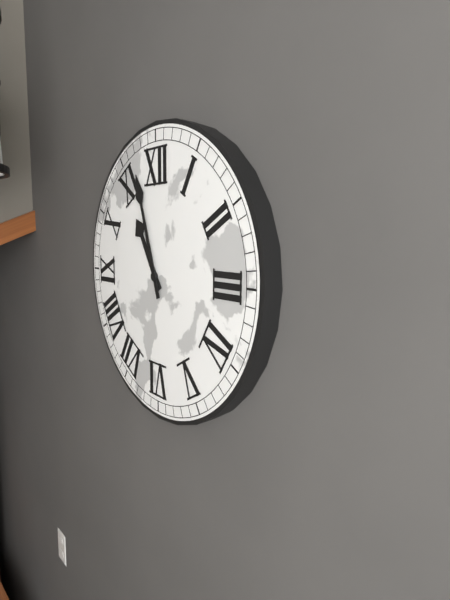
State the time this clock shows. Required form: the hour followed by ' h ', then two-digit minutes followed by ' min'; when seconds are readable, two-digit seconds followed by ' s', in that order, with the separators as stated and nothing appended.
10 h 57 min
